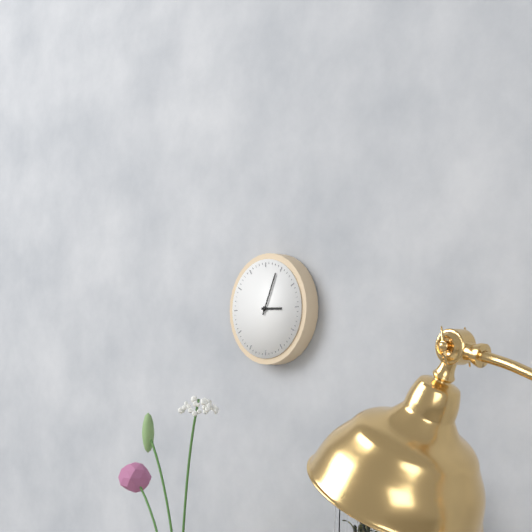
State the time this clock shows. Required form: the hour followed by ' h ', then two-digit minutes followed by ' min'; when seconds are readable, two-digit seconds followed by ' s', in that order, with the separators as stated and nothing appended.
3 h 04 min
